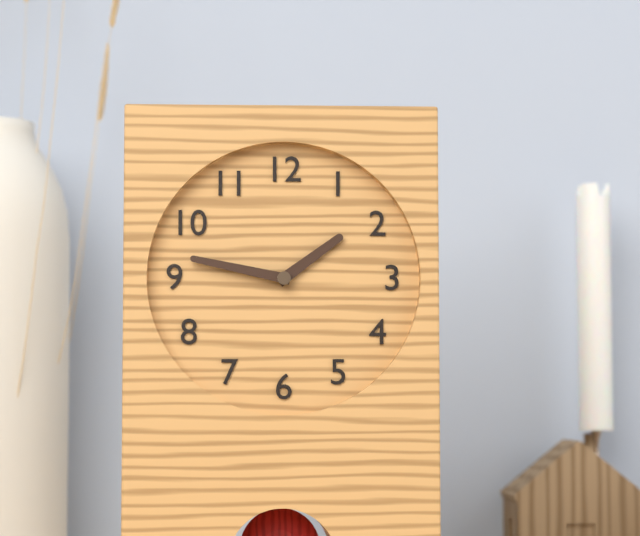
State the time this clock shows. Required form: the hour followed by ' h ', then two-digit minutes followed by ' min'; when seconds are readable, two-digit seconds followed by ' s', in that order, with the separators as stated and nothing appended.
1 h 47 min
